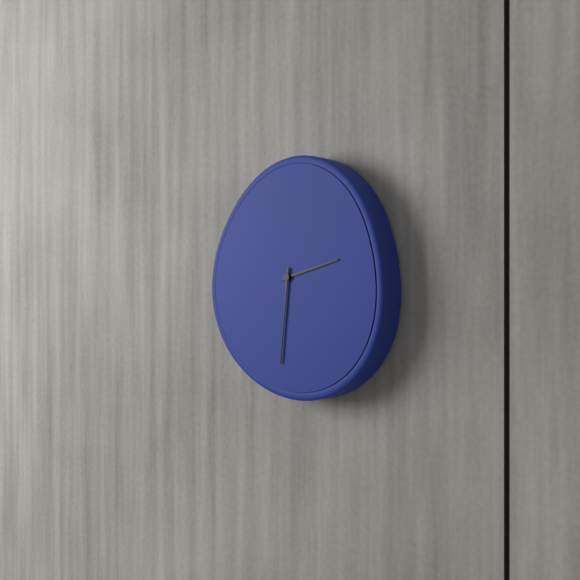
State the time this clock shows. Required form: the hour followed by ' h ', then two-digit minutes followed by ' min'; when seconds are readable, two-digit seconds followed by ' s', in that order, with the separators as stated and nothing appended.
2 h 31 min
